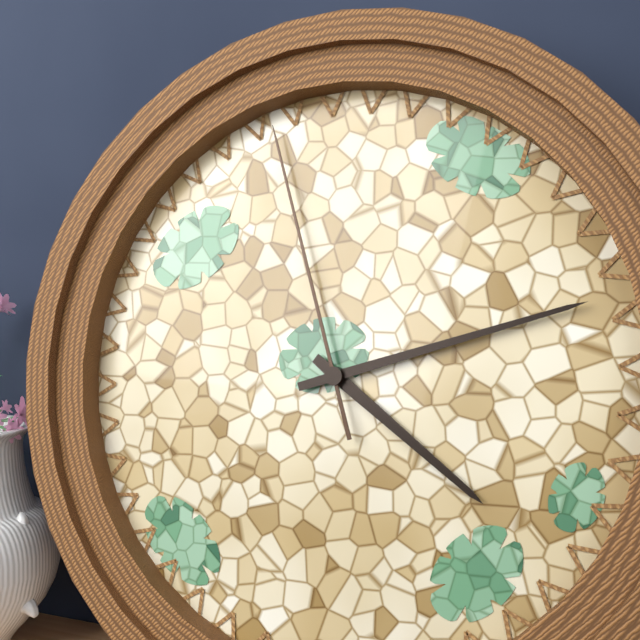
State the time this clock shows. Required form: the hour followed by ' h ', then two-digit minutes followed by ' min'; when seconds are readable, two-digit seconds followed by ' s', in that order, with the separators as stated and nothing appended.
4 h 12 min 57 s
